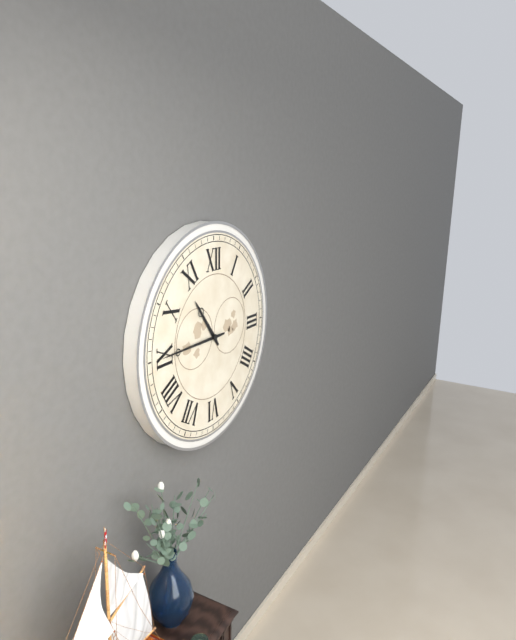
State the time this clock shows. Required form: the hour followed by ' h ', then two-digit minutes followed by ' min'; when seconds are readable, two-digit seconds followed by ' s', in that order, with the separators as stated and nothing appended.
10 h 45 min
